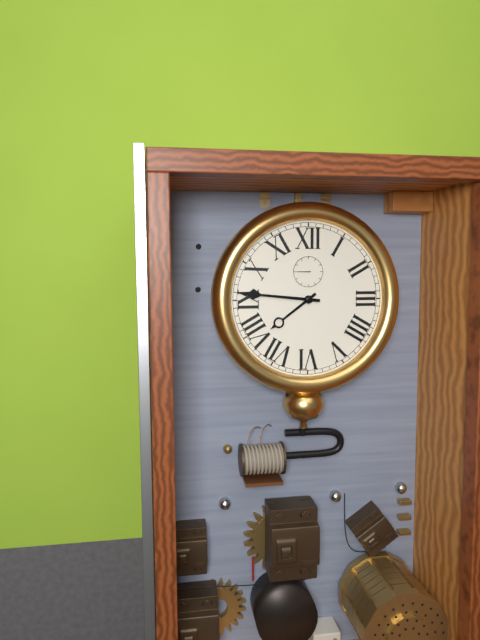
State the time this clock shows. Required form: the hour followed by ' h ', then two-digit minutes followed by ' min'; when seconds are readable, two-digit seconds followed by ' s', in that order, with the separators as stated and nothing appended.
7 h 46 min
